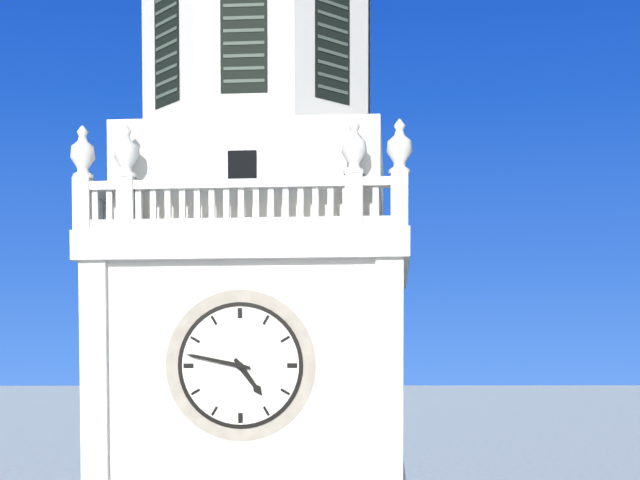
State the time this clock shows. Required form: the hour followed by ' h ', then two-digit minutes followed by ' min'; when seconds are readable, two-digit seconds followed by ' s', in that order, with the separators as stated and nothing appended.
4 h 47 min
